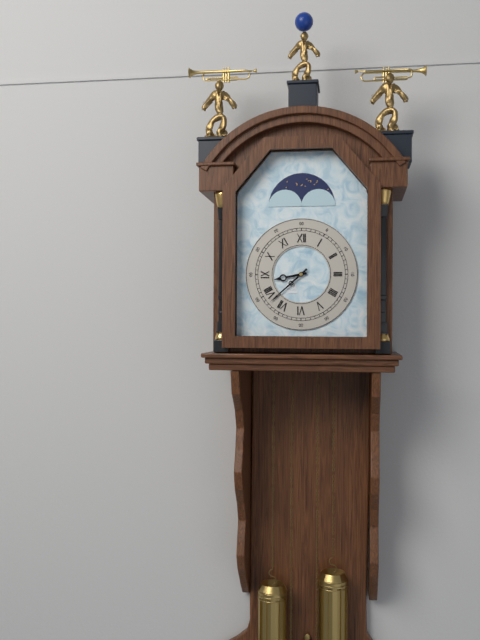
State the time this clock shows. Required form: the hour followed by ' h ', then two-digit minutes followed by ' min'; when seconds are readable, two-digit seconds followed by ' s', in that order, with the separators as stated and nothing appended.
8 h 38 min
